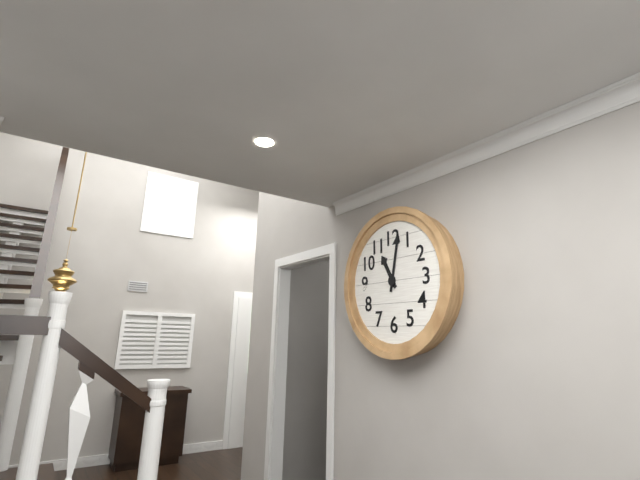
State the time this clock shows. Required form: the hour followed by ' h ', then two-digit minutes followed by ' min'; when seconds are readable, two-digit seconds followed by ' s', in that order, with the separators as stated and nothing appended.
11 h 02 min
